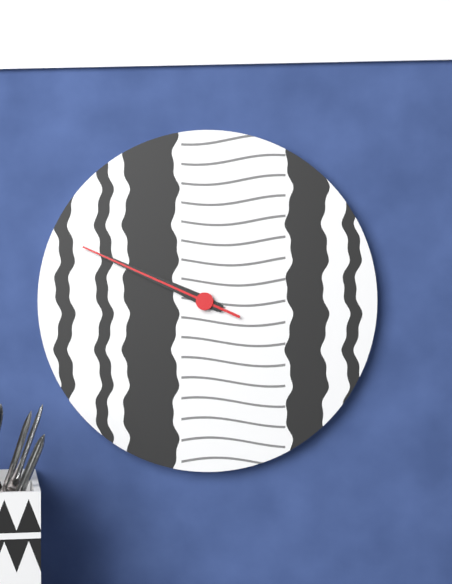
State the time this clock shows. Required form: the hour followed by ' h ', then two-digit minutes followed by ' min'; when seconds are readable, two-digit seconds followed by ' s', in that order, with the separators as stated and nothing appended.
9 h 49 min 49 s
